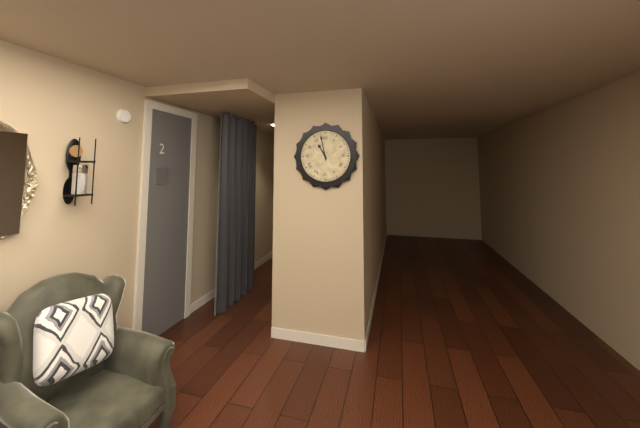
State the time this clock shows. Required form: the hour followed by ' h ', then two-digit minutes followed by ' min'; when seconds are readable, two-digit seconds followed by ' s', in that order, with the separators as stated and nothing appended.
10 h 58 min
